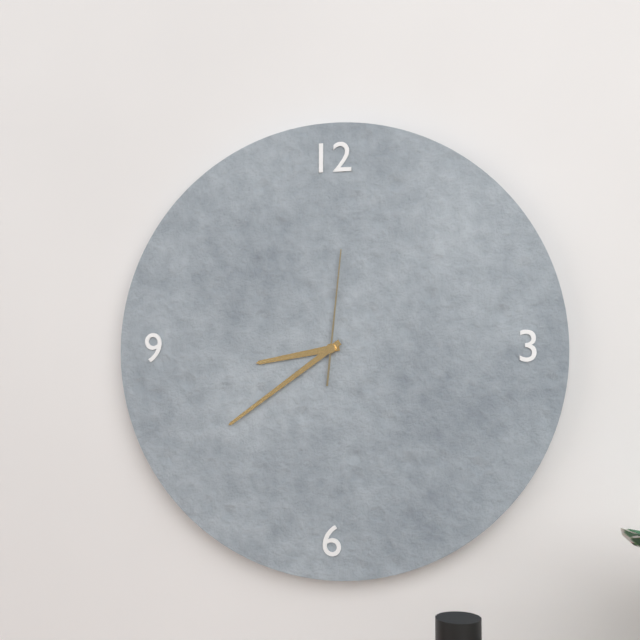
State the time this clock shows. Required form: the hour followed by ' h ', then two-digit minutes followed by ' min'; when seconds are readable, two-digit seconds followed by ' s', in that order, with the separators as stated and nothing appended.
8 h 39 min 01 s
